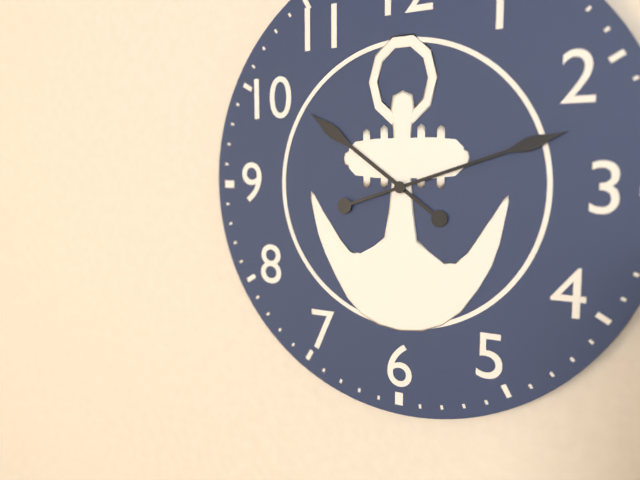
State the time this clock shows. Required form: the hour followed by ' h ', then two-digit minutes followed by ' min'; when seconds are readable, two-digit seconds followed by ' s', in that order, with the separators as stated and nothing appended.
10 h 12 min
